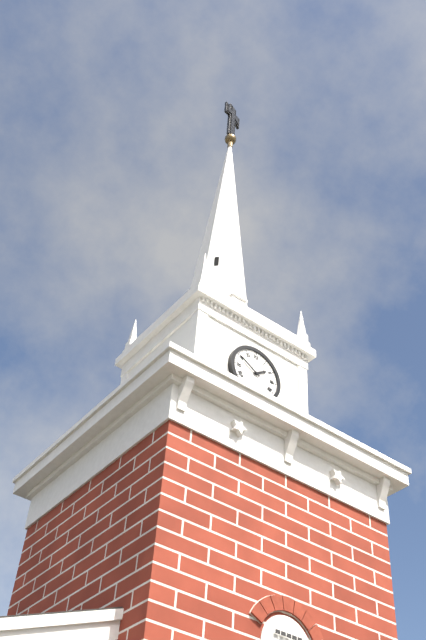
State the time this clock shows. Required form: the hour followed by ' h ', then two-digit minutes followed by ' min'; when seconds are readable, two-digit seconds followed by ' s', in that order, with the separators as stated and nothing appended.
1 h 50 min
